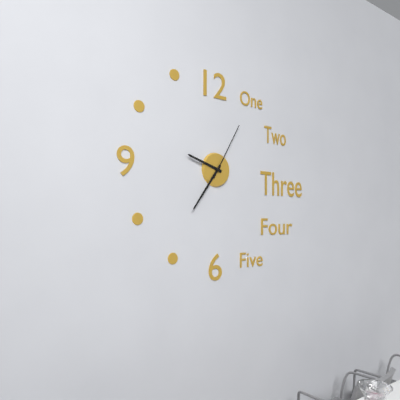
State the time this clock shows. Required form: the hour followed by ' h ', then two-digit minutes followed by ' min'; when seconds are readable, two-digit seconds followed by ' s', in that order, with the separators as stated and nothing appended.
9 h 36 min 05 s
